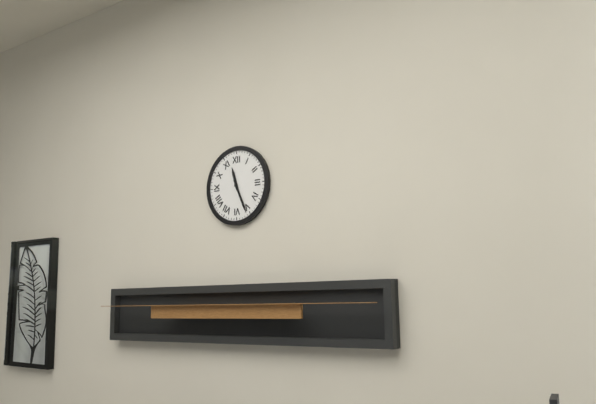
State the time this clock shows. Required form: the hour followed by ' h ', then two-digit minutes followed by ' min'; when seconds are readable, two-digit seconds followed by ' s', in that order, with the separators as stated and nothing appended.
11 h 26 min
